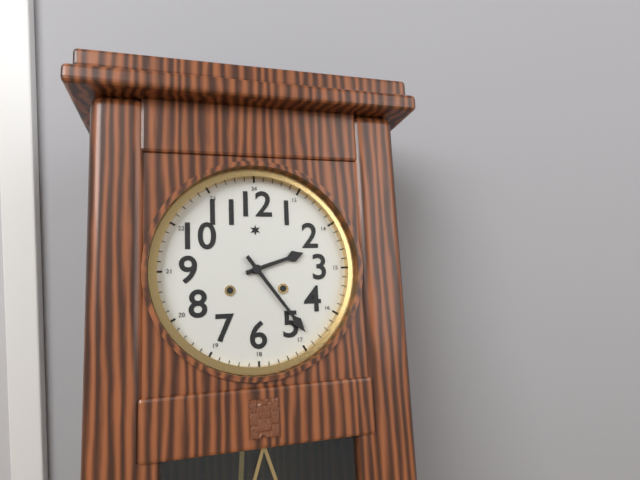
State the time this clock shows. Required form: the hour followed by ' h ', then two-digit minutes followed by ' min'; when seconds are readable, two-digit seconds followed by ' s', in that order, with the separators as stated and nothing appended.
2 h 24 min
